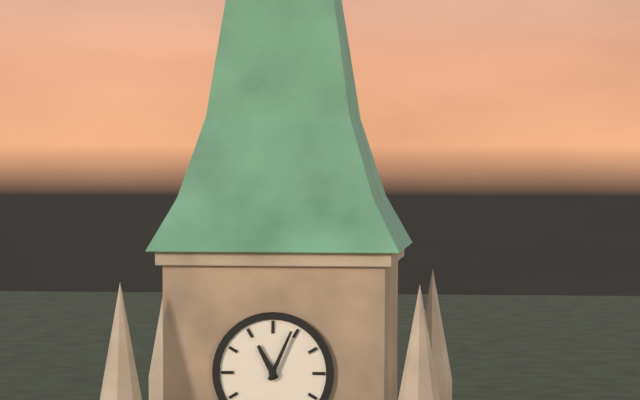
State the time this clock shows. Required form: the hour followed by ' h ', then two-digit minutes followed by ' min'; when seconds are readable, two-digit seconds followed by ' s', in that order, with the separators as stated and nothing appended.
11 h 04 min
